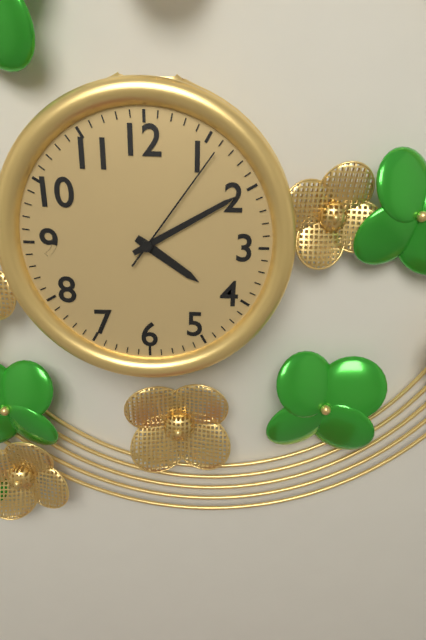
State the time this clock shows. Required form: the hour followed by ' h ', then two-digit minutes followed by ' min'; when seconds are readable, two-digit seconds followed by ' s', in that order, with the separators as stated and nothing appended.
4 h 10 min 06 s
